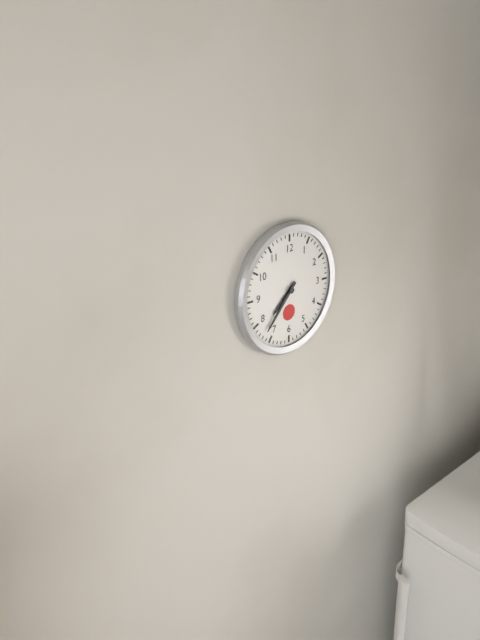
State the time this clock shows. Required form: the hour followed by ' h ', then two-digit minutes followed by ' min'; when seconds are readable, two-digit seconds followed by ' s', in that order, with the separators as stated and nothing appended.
7 h 37 min
